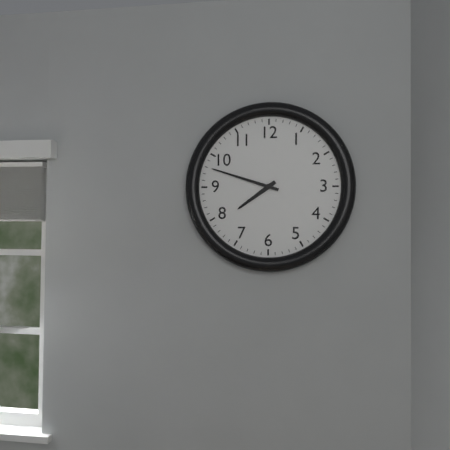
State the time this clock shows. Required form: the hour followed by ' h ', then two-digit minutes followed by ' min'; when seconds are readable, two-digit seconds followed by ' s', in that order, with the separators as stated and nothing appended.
7 h 48 min
